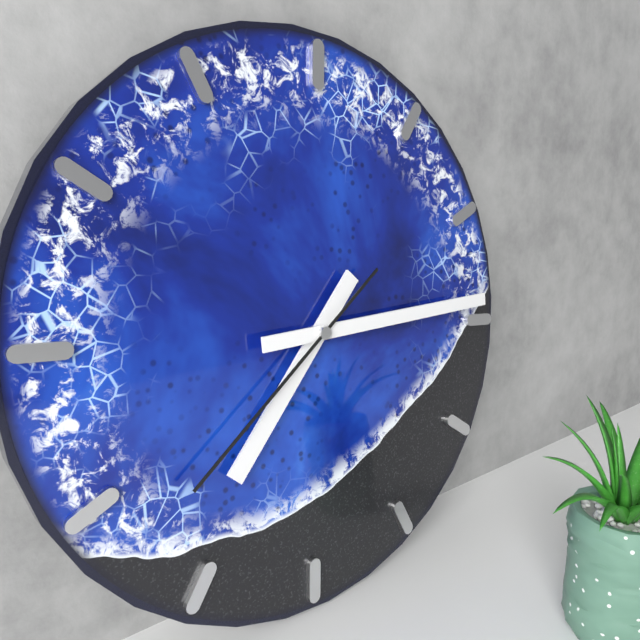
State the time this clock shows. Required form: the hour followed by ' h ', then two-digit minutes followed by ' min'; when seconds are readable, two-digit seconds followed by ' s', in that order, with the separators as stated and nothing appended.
7 h 14 min 38 s
